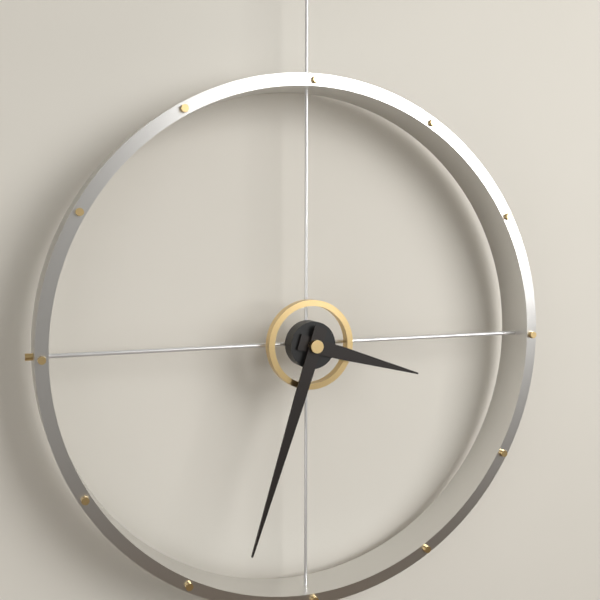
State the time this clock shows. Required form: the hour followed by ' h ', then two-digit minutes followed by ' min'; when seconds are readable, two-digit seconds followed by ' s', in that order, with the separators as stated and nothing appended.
3 h 33 min
